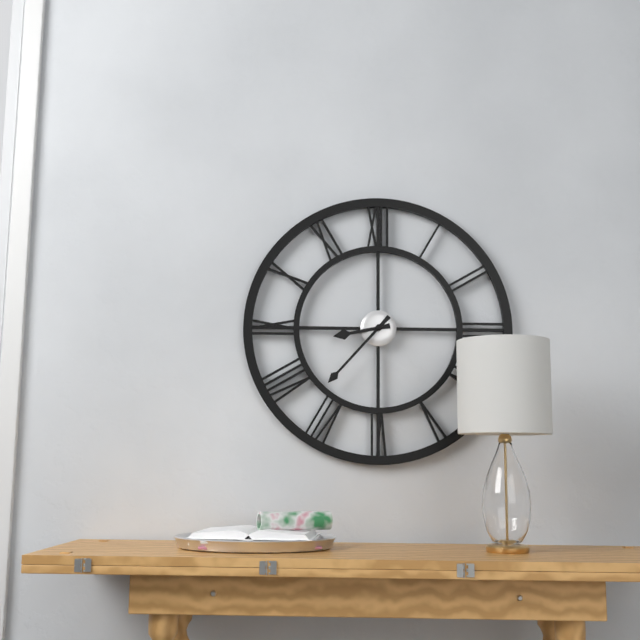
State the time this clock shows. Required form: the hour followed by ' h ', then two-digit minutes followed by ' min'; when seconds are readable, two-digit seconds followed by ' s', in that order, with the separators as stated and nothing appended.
8 h 37 min
